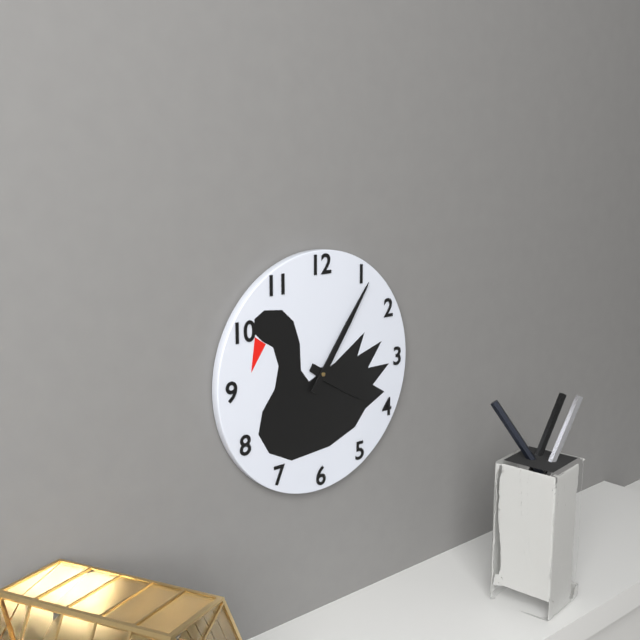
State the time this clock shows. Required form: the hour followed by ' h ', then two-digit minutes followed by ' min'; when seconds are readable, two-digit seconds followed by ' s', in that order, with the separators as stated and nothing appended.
4 h 06 min
